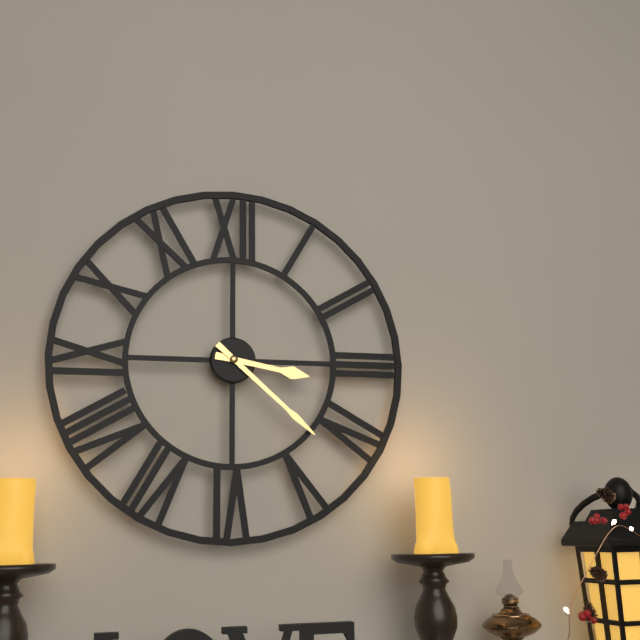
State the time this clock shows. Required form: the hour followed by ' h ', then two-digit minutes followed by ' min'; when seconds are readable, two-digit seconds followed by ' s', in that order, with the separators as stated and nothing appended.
3 h 22 min
